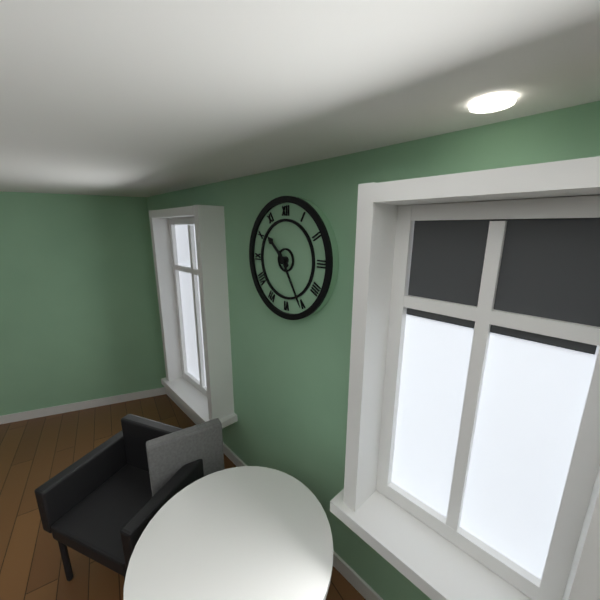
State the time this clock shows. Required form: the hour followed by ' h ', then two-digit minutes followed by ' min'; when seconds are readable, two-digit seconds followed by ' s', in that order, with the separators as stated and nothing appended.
10 h 25 min
